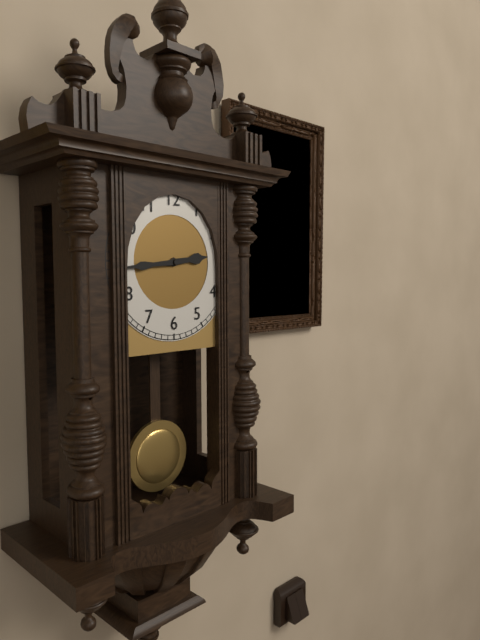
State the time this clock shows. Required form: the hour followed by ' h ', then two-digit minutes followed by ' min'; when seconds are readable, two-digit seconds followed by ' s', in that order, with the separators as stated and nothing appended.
2 h 44 min
